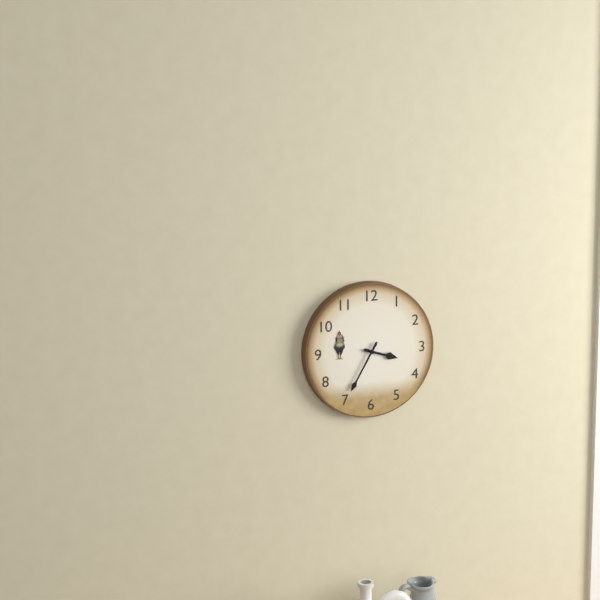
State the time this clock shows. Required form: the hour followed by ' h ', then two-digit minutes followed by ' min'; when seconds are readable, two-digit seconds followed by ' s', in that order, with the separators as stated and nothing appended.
3 h 35 min
